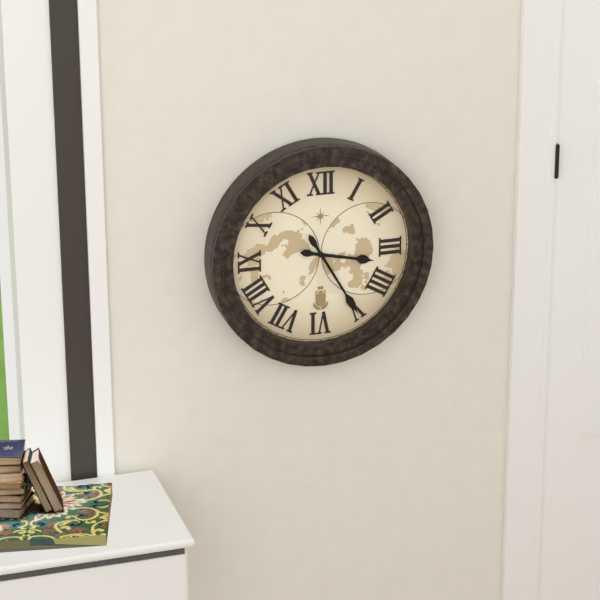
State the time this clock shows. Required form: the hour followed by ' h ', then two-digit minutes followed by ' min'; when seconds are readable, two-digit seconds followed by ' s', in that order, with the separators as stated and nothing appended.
3 h 25 min
